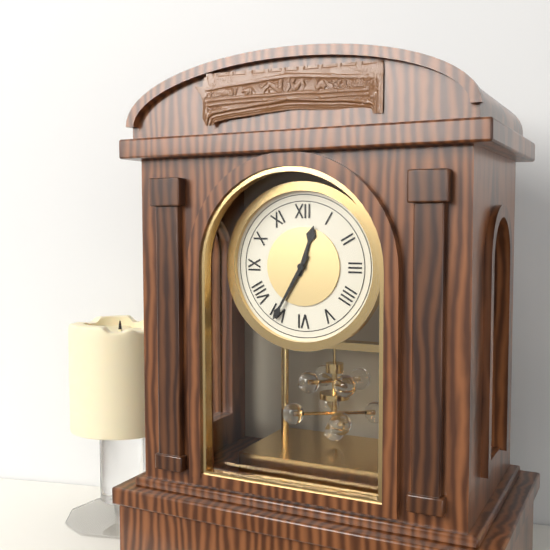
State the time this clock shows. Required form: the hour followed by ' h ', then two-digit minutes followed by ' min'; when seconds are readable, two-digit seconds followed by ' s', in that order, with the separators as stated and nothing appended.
12 h 35 min
